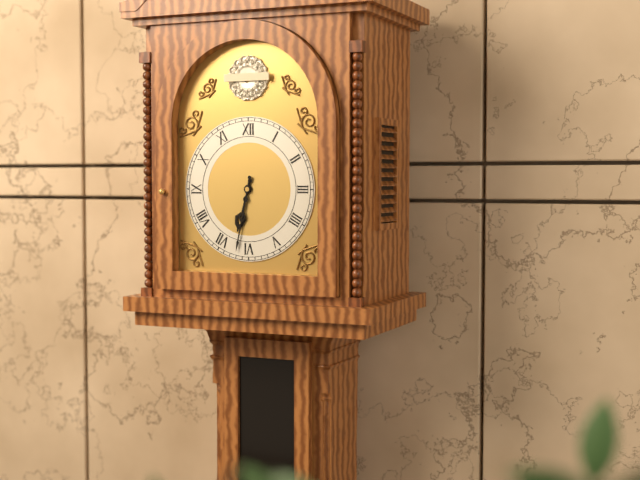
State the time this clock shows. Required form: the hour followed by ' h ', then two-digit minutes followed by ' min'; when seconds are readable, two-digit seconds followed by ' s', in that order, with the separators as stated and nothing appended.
6 h 32 min
